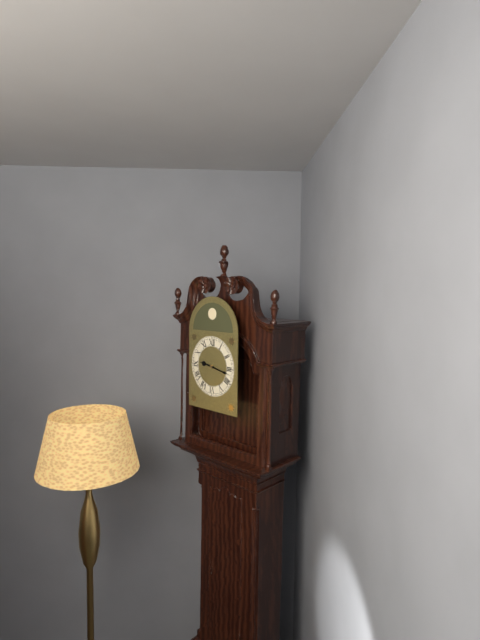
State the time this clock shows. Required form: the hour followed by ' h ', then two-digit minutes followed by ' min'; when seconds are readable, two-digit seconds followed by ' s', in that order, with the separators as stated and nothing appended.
9 h 17 min
